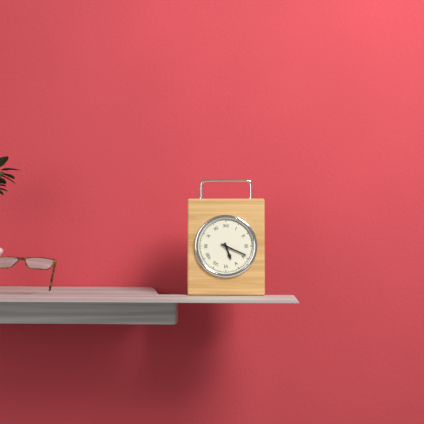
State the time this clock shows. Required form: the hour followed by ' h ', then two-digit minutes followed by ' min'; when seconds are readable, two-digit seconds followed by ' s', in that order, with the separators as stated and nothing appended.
5 h 19 min
